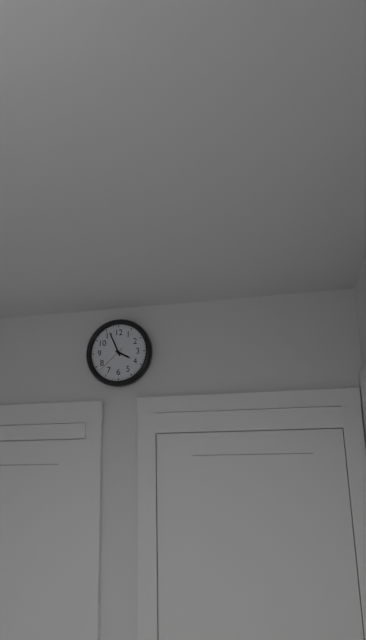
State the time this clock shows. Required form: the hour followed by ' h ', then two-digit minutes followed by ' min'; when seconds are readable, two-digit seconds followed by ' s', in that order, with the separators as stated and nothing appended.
3 h 56 min
